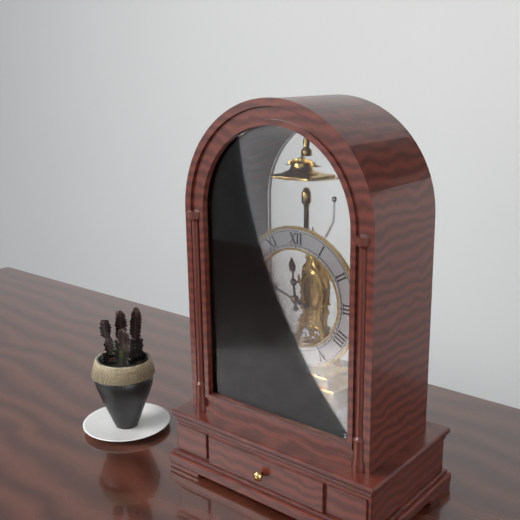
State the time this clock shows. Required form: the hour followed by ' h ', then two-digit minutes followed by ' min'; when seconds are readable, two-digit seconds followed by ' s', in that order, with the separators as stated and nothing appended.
11 h 48 min
